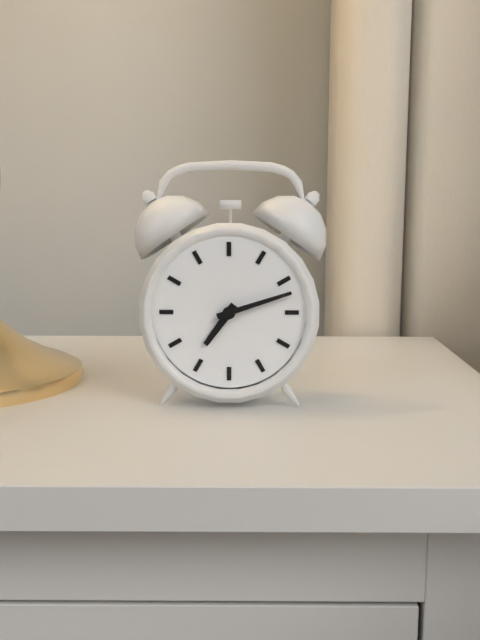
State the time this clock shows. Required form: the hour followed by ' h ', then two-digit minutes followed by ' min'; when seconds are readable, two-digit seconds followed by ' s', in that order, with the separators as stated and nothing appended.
7 h 12 min
